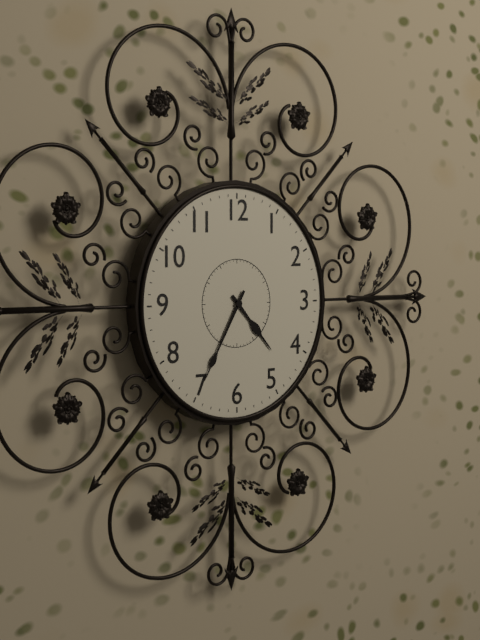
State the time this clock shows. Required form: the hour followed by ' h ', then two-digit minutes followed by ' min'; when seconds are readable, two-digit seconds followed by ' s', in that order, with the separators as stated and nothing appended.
4 h 35 min
